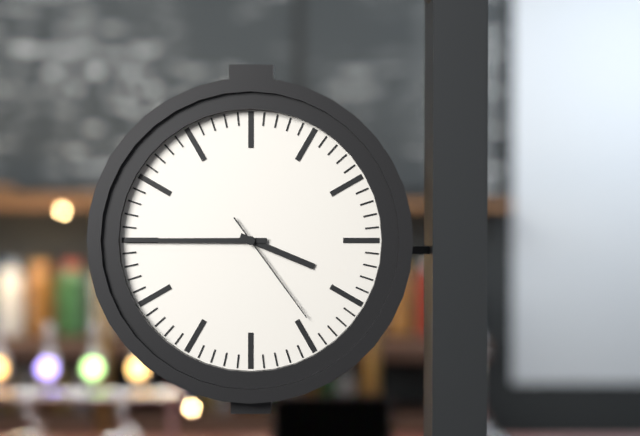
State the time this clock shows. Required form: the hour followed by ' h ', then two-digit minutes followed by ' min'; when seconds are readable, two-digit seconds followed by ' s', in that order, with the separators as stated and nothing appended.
3 h 45 min 24 s
